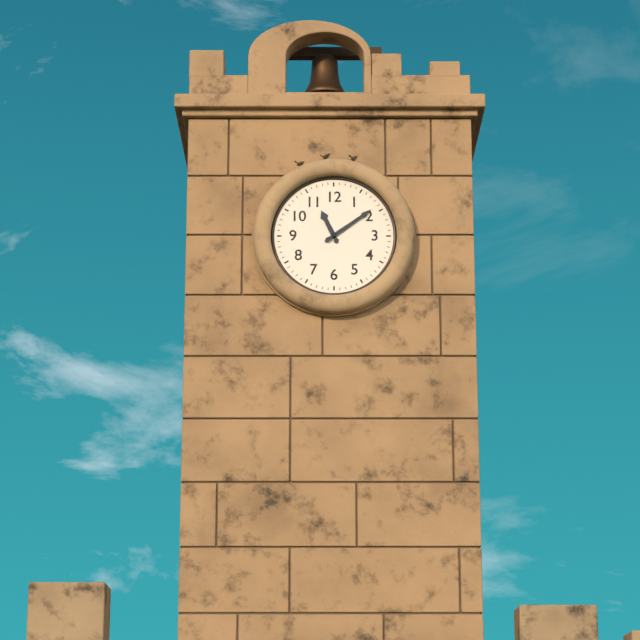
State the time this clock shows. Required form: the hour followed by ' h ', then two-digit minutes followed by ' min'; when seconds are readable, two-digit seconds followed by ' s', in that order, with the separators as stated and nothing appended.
11 h 09 min
